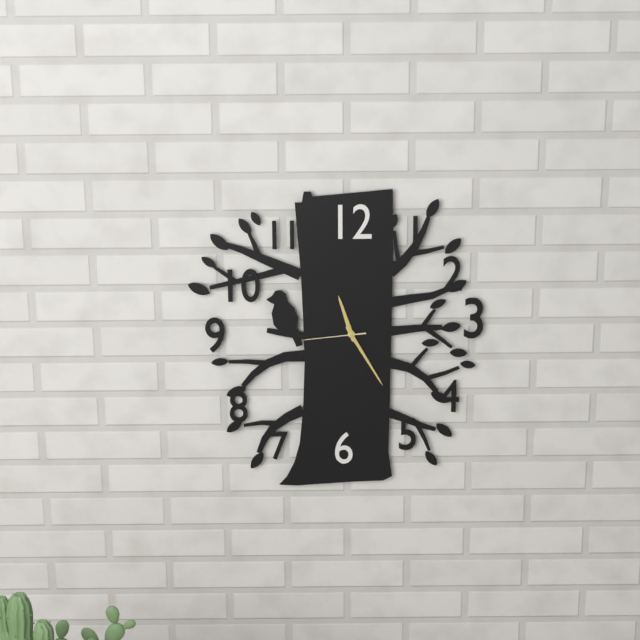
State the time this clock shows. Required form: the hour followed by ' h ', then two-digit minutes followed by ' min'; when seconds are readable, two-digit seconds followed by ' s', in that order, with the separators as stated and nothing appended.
11 h 25 min 44 s
